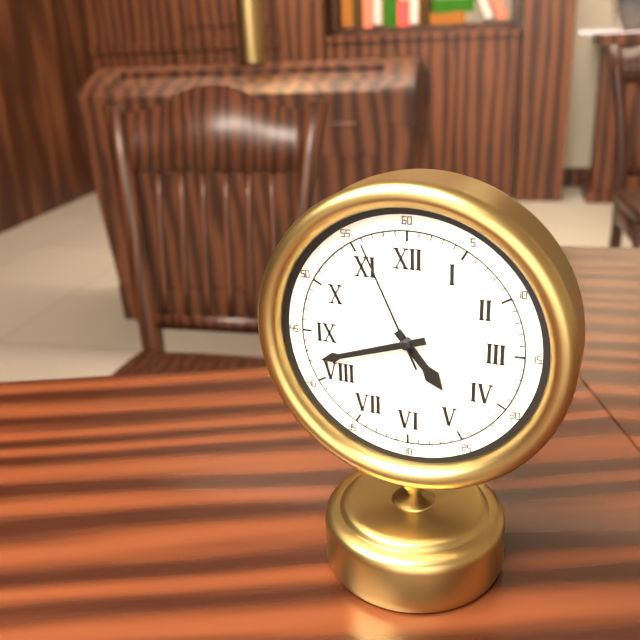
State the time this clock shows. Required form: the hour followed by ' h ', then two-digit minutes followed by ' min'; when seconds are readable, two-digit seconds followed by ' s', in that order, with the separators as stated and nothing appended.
4 h 42 min 56 s
